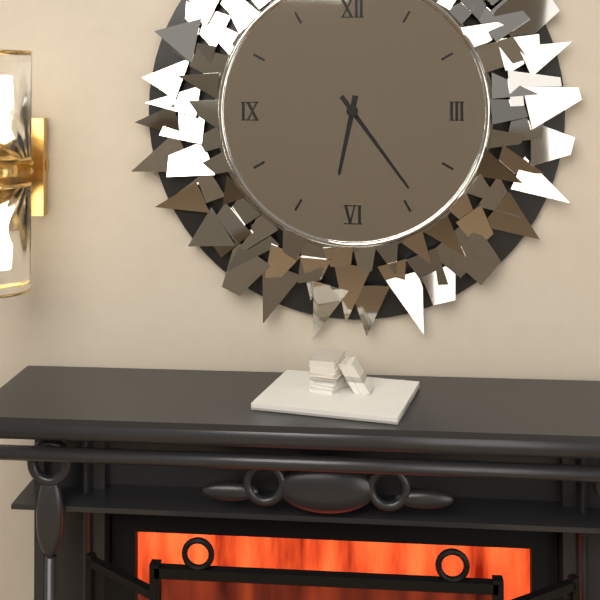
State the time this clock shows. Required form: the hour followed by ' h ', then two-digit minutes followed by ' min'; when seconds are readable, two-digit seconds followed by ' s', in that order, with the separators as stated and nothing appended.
6 h 24 min
